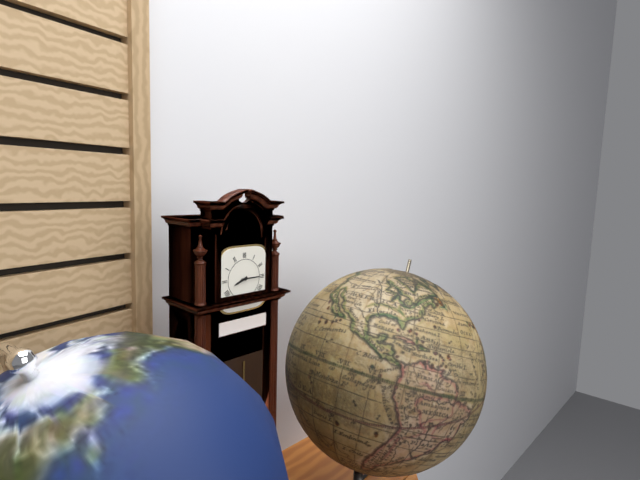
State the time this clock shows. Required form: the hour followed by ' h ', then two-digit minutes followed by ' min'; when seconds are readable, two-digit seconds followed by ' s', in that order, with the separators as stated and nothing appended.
8 h 15 min
